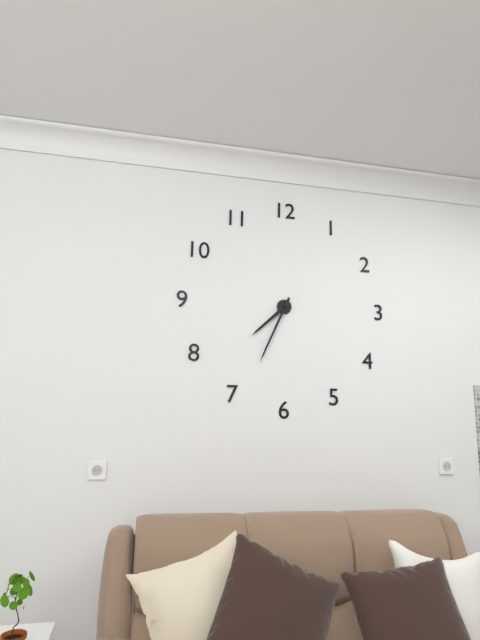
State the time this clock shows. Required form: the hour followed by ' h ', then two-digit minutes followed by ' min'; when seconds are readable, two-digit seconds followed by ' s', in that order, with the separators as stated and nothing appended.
7 h 34 min
